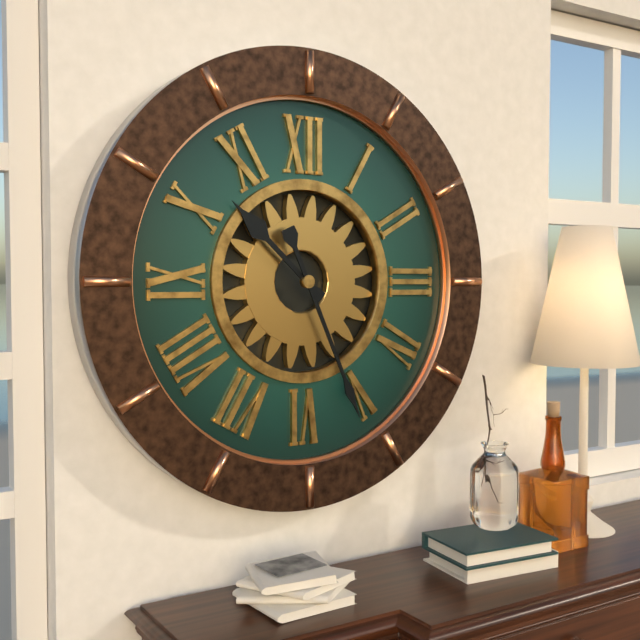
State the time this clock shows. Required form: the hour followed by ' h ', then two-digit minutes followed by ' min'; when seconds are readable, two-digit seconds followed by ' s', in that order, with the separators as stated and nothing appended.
10 h 26 min
